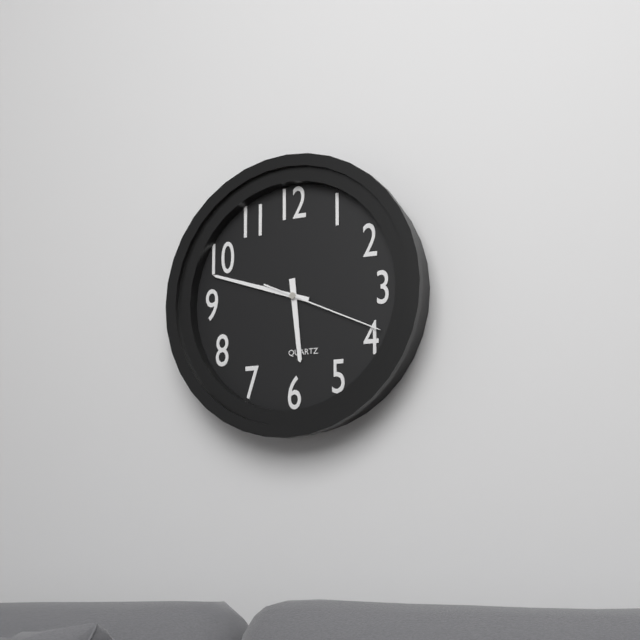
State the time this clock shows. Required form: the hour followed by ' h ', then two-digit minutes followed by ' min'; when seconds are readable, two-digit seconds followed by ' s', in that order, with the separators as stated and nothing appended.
5 h 48 min 19 s
